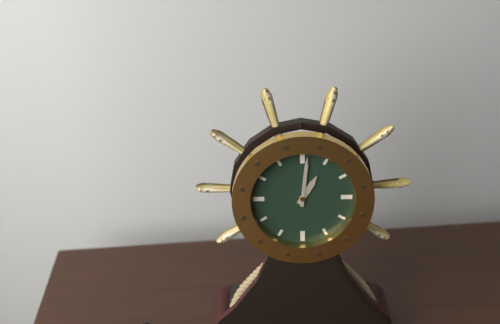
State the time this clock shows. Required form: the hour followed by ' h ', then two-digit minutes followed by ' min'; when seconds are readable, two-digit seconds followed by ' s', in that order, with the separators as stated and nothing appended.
1 h 01 min
